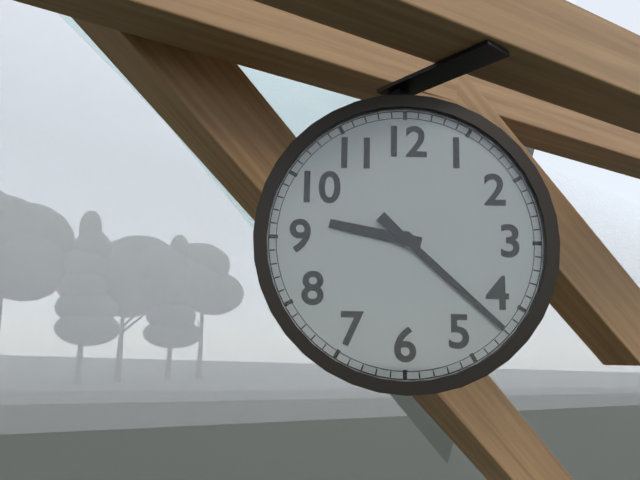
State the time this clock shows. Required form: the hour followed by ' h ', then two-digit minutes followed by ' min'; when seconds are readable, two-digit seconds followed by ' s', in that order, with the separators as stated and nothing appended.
9 h 22 min
